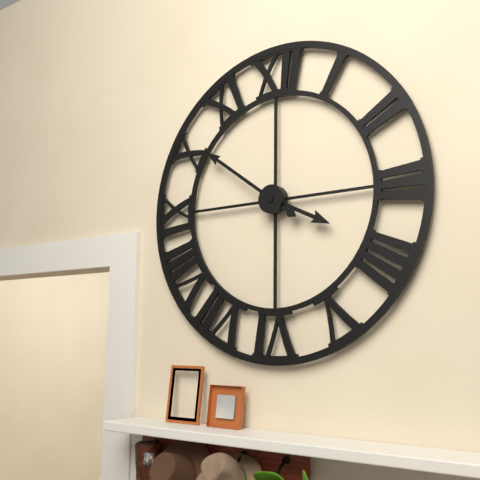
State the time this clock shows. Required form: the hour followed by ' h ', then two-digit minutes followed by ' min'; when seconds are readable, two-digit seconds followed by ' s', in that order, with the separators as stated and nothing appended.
3 h 51 min
